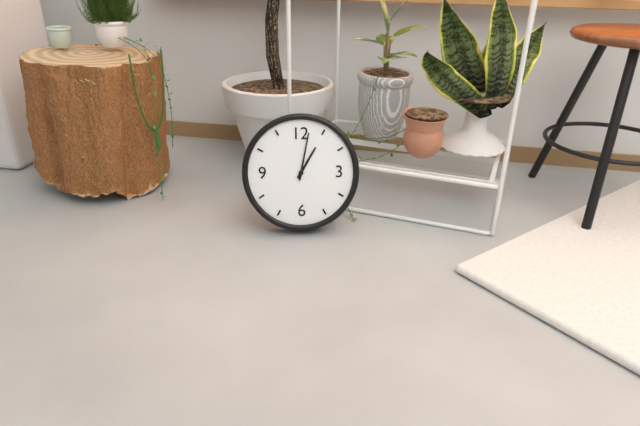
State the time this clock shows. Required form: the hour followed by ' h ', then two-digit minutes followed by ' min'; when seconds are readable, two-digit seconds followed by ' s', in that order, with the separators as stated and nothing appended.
1 h 02 min
